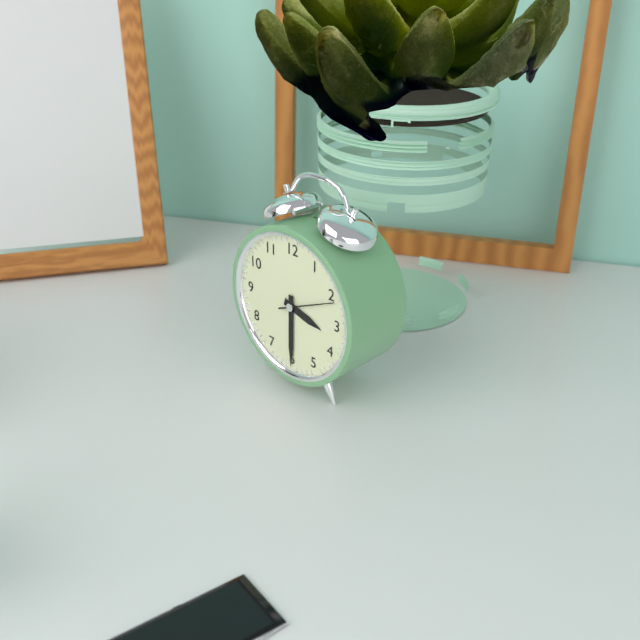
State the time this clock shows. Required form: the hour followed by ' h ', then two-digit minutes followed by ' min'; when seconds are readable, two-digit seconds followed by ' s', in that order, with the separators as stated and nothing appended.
3 h 30 min 11 s
